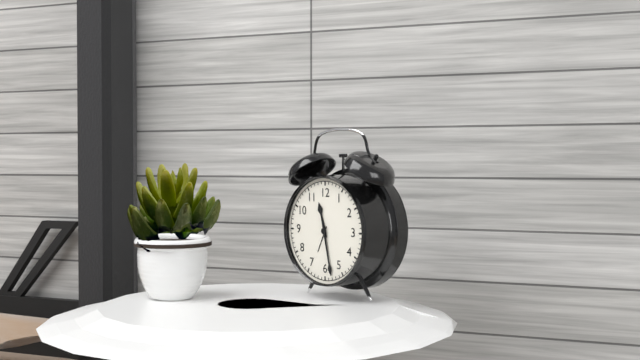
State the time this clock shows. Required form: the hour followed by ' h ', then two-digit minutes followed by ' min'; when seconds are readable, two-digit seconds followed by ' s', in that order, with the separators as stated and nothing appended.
11 h 28 min
